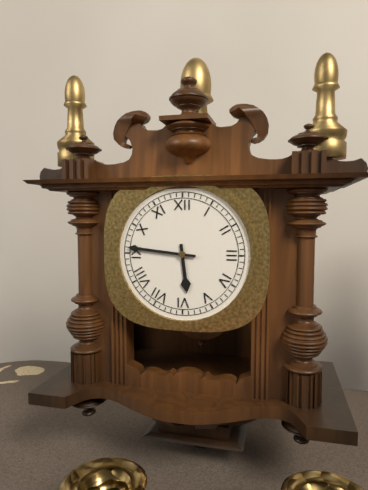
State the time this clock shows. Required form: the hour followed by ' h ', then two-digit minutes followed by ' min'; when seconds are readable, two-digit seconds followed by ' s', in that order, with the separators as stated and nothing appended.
5 h 46 min
